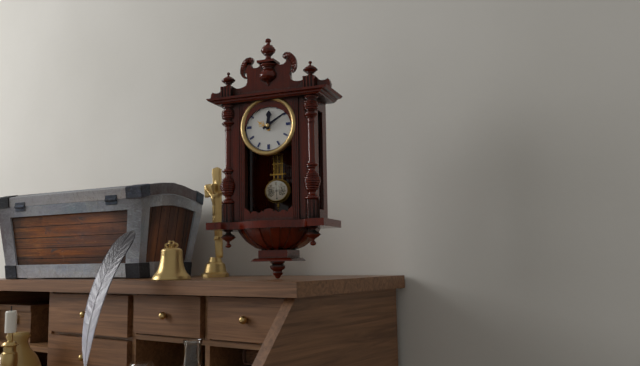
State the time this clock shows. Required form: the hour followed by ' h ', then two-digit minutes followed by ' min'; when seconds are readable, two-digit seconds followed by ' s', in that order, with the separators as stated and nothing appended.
12 h 10 min
